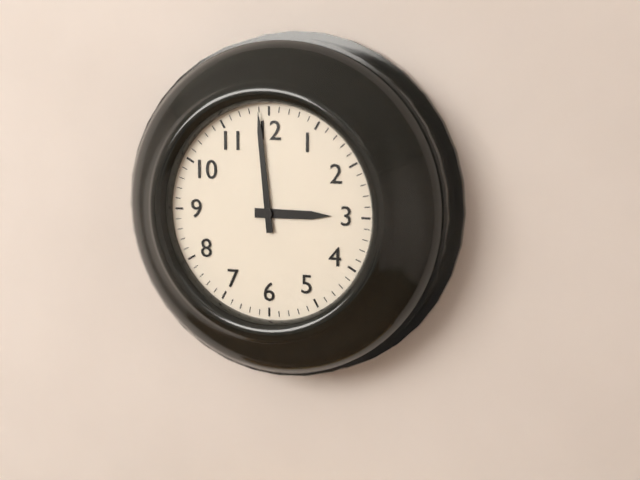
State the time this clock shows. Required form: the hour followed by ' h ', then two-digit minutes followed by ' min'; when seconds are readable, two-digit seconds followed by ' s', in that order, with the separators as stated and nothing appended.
2 h 59 min
